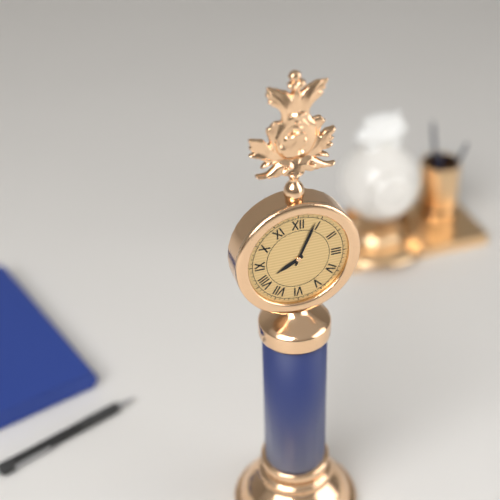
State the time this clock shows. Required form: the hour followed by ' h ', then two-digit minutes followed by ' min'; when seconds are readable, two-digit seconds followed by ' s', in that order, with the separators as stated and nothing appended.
8 h 04 min
